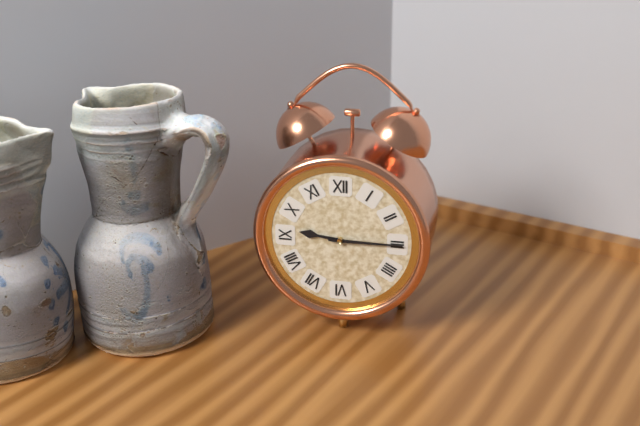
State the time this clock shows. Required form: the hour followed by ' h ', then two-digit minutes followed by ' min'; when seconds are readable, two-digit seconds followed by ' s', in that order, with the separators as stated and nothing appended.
9 h 15 min
